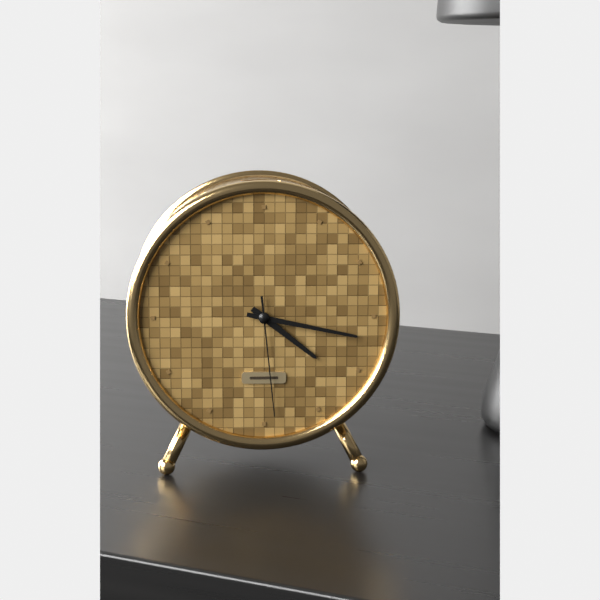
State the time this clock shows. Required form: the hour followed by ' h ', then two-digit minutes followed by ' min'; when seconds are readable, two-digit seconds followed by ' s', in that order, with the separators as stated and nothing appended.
4 h 17 min 29 s
